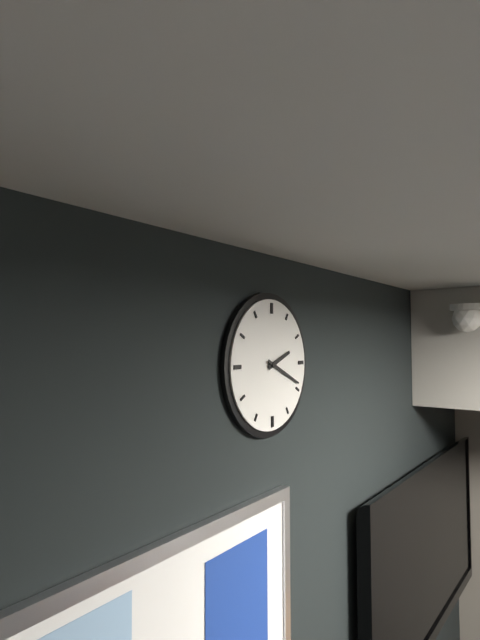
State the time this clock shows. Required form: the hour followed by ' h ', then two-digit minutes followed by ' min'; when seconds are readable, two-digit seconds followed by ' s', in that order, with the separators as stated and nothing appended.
2 h 19 min
